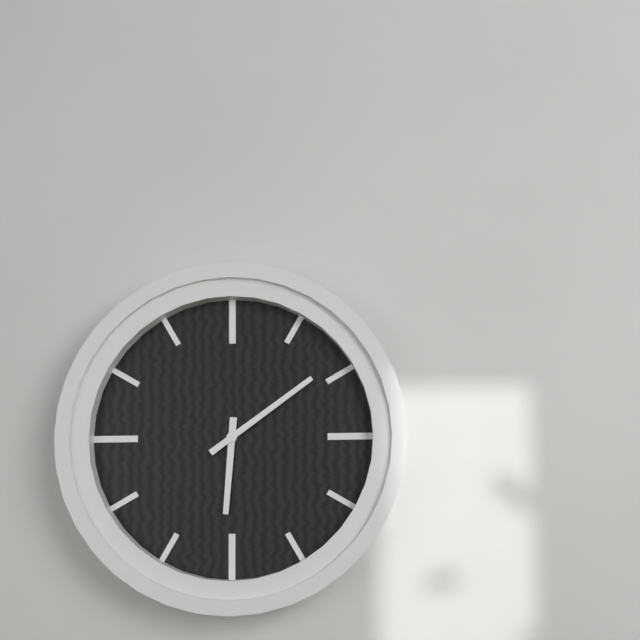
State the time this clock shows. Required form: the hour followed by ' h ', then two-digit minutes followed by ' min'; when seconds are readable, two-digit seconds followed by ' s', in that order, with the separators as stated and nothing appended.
6 h 09 min
